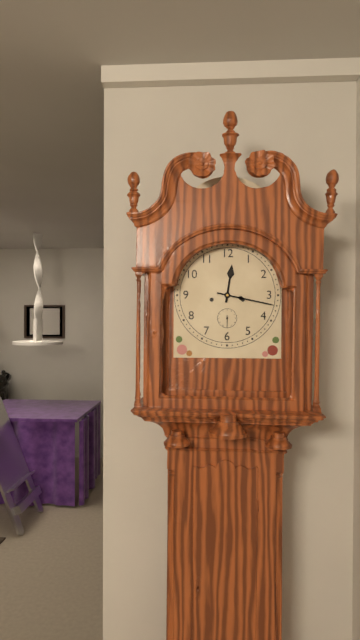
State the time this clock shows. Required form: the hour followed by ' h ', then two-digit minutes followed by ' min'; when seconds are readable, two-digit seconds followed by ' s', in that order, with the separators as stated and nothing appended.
12 h 17 min
